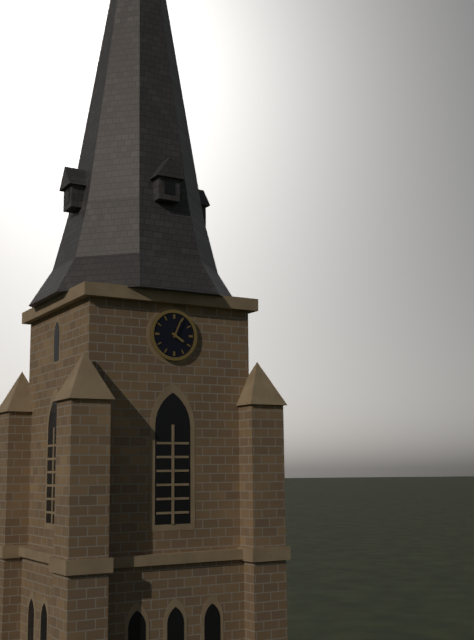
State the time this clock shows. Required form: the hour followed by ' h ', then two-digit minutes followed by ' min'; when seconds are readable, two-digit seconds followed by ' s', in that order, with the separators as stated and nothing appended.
4 h 04 min
